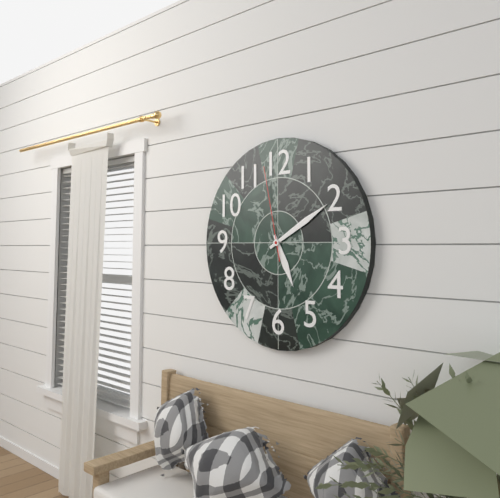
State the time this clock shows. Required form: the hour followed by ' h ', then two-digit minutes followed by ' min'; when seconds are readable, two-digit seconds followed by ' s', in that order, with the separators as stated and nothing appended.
5 h 10 min 58 s
